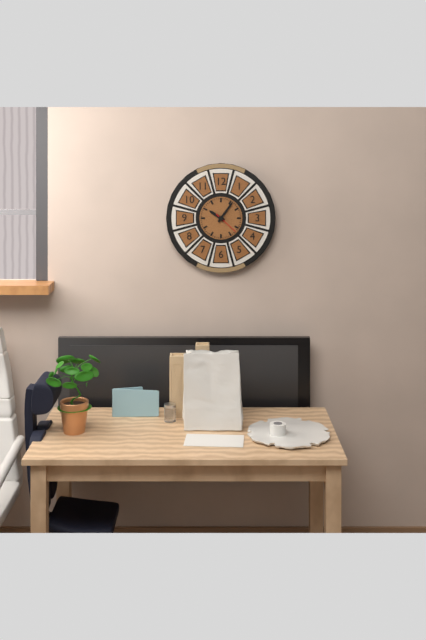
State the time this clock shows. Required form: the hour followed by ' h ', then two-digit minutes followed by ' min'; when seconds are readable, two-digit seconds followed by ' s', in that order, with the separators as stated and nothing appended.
10 h 06 min
